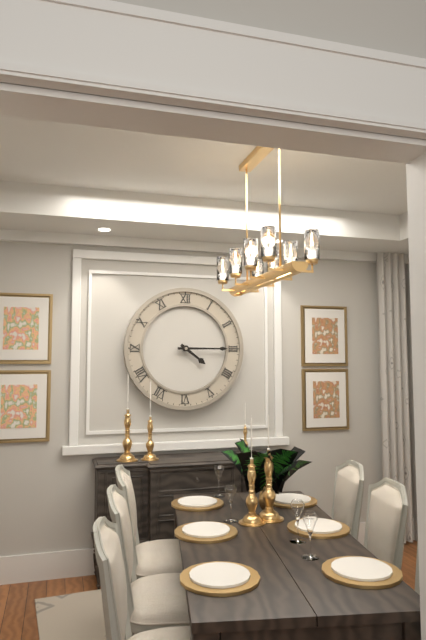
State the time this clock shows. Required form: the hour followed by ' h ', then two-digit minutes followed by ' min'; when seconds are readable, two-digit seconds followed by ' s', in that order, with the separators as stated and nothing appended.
4 h 15 min
